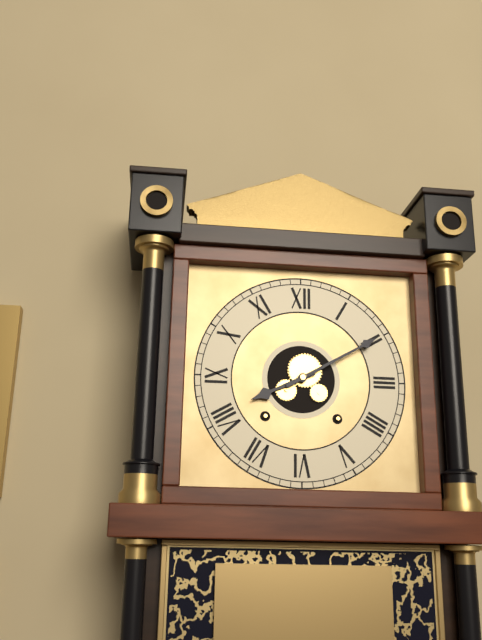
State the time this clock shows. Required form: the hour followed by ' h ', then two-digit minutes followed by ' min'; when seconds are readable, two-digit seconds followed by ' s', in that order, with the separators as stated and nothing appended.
8 h 10 min
